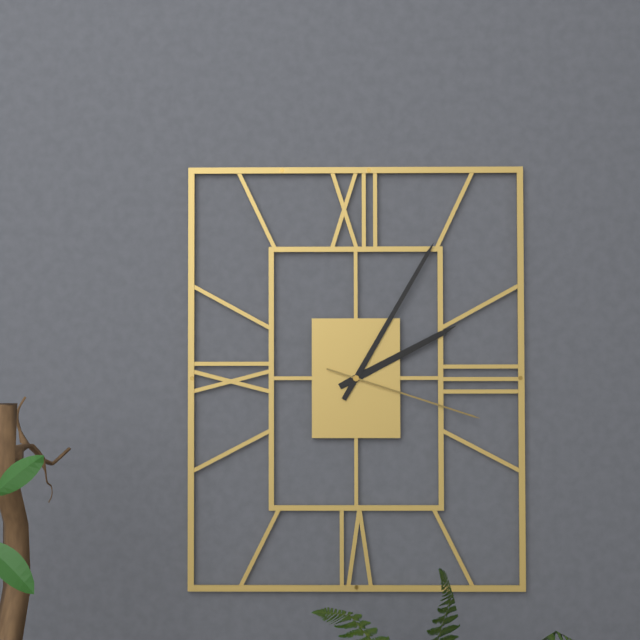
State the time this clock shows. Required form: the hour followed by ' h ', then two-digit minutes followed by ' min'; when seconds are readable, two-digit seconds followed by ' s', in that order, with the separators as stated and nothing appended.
2 h 05 min 18 s
